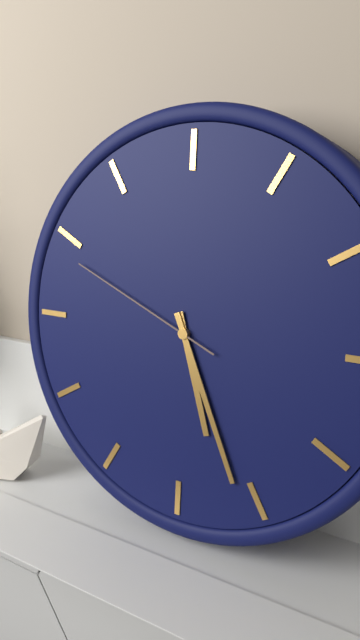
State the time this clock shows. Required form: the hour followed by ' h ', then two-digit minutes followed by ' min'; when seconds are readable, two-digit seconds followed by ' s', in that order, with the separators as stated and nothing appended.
5 h 26 min 49 s
